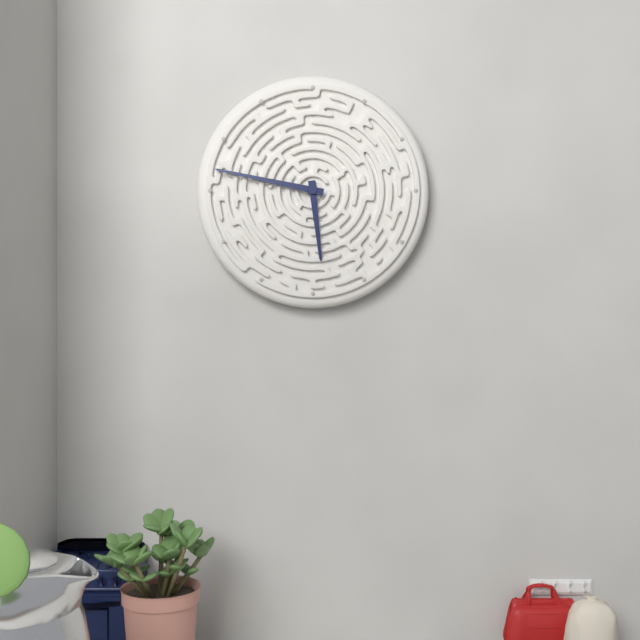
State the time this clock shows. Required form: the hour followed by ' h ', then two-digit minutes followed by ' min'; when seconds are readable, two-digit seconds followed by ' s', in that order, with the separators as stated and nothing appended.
5 h 47 min
